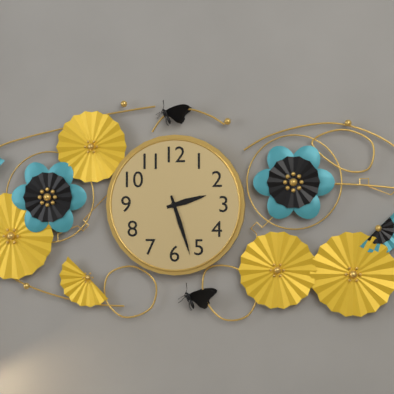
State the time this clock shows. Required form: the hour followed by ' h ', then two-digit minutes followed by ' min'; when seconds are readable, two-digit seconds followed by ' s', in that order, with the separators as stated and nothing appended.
2 h 27 min
